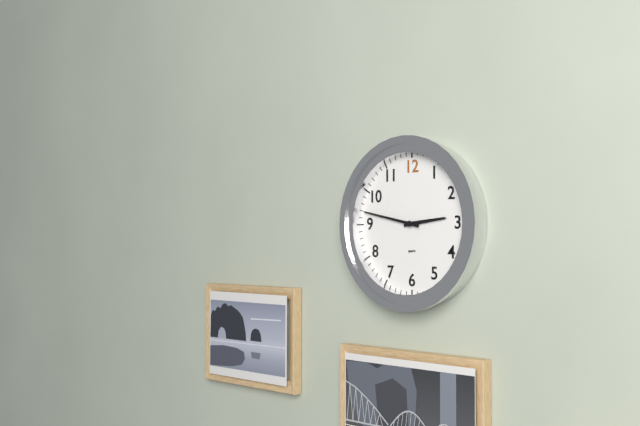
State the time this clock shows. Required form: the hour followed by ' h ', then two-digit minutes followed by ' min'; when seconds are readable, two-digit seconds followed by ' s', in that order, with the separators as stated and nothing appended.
2 h 47 min
